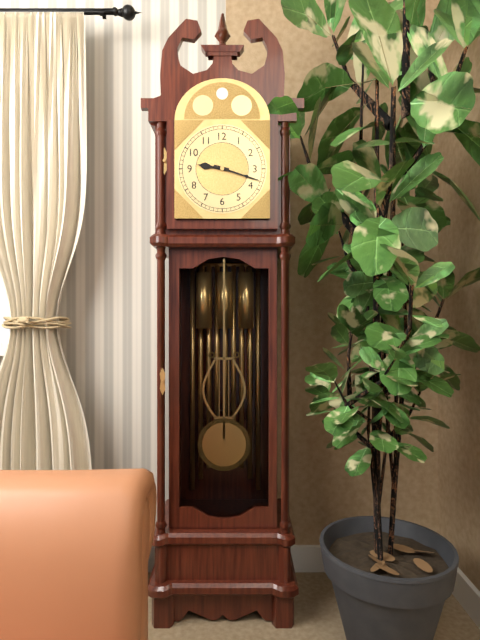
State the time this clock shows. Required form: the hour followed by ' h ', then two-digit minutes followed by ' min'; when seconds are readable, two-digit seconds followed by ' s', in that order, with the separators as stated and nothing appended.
9 h 18 min
